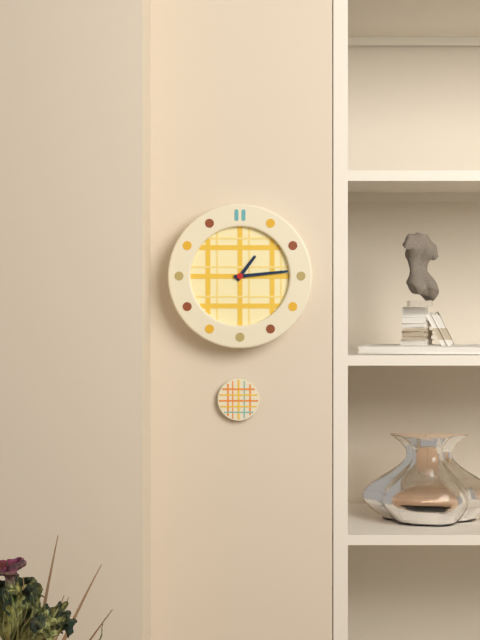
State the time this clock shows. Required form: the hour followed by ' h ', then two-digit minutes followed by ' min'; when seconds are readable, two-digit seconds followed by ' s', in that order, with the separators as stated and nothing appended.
1 h 14 min
